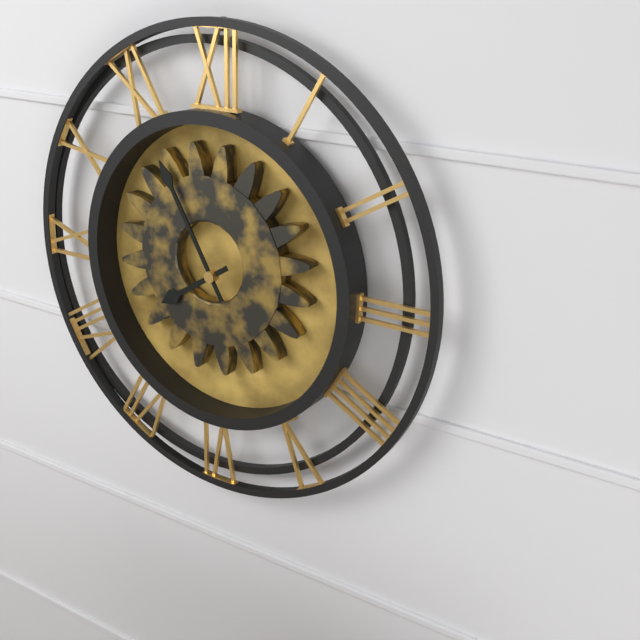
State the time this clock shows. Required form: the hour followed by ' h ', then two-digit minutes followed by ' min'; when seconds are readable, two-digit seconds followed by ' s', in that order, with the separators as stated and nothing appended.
7 h 55 min
